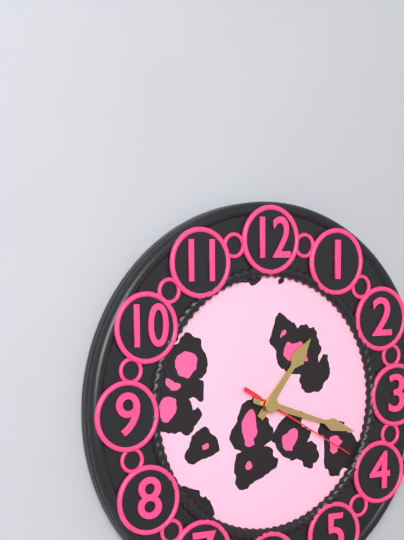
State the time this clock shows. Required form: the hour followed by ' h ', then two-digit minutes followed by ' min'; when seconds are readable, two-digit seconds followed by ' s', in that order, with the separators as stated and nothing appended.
1 h 18 min 20 s
